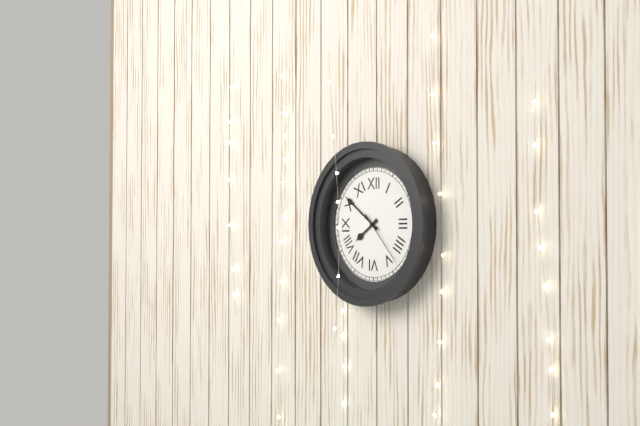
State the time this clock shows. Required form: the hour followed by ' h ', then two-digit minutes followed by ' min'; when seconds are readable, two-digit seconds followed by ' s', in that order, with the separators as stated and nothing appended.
7 h 51 min 23 s
